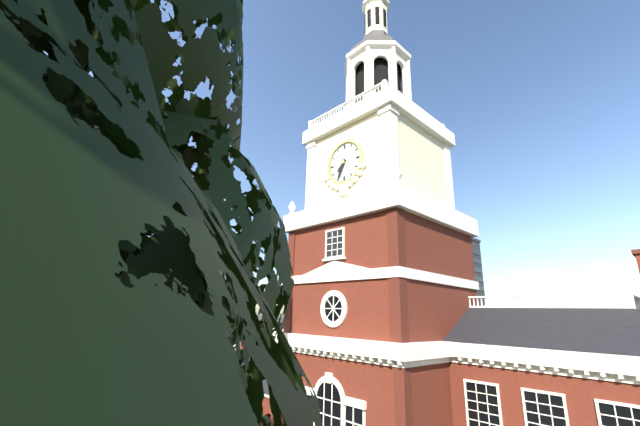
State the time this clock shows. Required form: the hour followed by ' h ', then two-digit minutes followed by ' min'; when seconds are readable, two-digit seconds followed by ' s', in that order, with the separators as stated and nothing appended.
7 h 34 min
